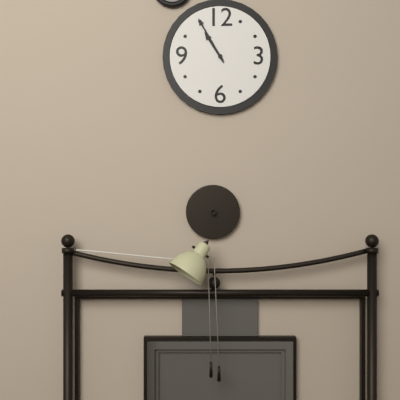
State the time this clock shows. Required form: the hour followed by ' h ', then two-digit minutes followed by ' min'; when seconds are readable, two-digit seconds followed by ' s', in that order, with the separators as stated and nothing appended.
10 h 55 min
